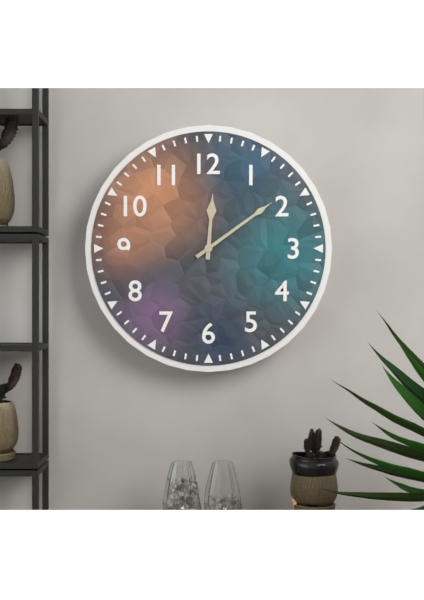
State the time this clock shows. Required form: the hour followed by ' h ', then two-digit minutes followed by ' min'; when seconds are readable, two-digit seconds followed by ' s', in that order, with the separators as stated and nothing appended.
12 h 09 min
